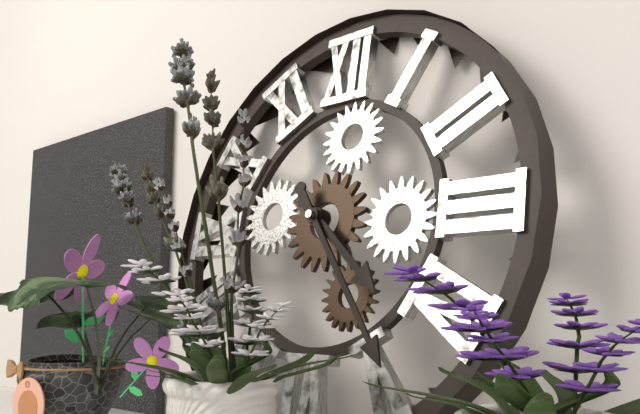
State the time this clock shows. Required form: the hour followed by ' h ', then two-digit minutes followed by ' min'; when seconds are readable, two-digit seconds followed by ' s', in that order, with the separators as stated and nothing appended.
4 h 24 min
